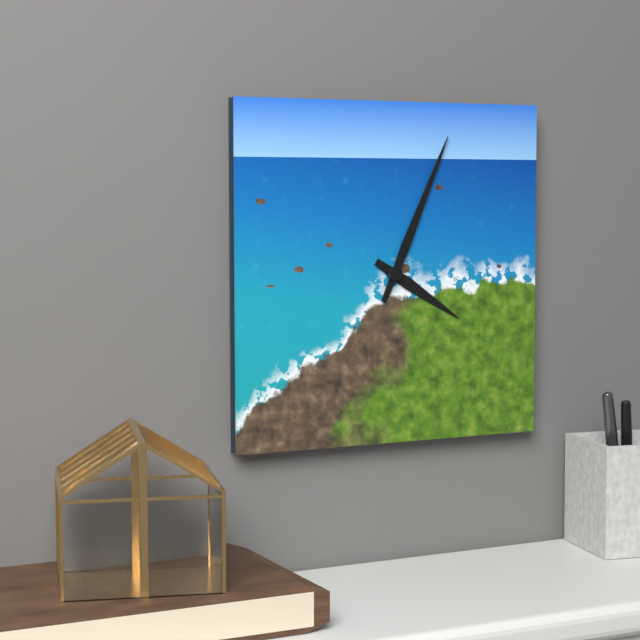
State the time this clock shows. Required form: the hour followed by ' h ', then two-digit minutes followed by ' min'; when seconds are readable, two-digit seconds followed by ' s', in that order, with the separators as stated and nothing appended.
4 h 04 min
